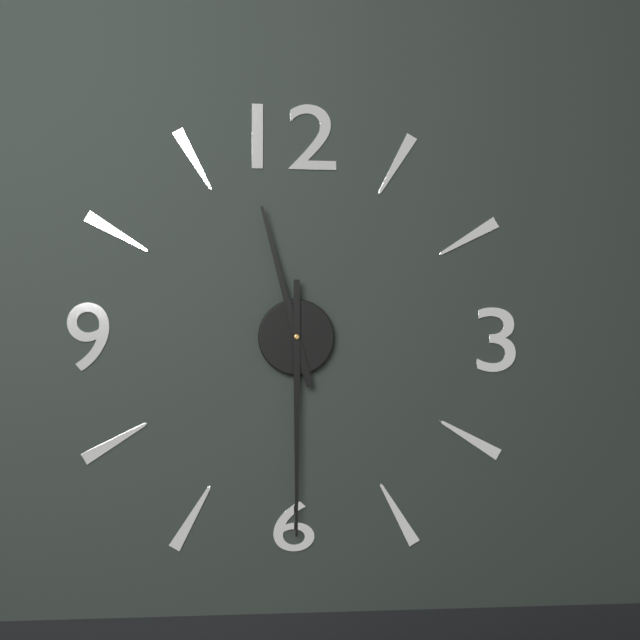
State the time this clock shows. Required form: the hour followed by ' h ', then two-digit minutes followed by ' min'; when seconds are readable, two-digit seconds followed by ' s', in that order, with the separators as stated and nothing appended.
11 h 30 min
